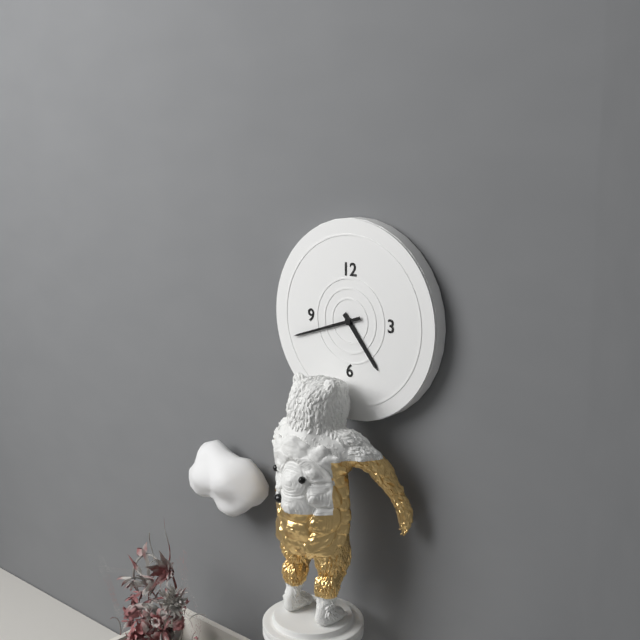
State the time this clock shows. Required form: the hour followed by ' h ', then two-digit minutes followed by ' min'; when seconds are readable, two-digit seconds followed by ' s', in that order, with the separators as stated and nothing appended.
4 h 42 min
